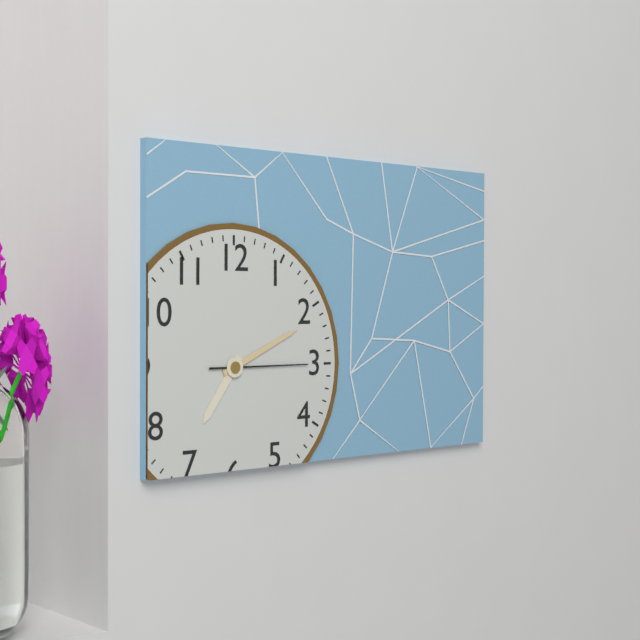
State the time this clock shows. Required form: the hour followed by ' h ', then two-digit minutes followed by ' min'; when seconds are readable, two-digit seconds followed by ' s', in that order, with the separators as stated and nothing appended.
7 h 11 min 15 s
